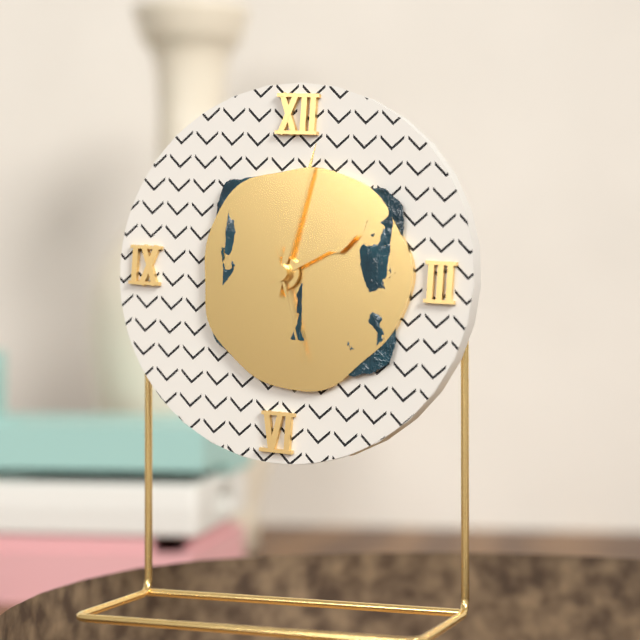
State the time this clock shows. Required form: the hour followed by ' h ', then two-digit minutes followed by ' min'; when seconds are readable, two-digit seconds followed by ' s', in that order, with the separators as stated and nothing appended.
2 h 02 min 27 s
